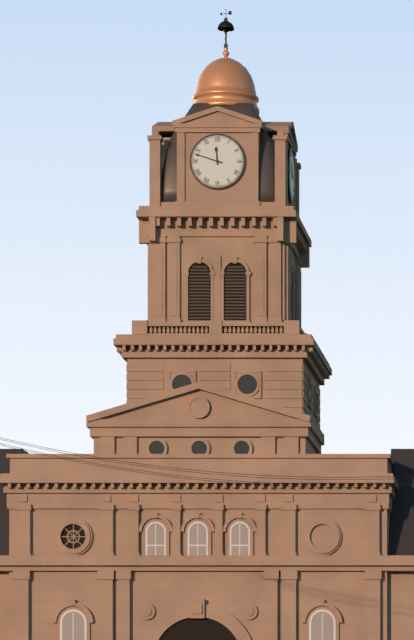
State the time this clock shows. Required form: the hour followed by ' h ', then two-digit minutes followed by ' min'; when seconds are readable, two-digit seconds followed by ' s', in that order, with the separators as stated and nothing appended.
11 h 48 min
